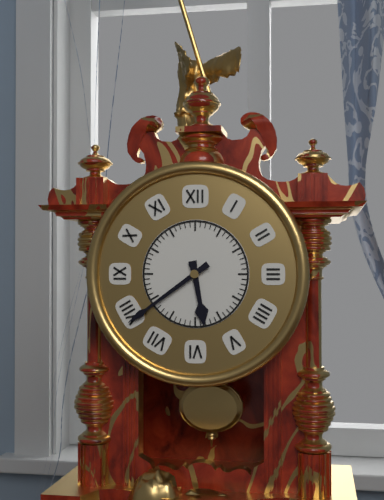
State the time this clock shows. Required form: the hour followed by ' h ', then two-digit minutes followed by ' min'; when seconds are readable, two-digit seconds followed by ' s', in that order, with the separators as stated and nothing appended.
5 h 39 min
